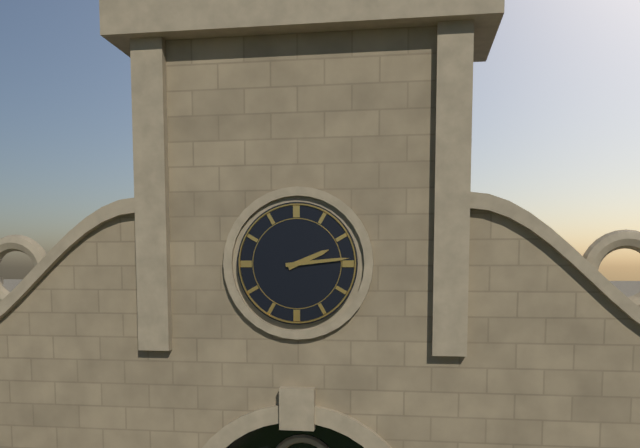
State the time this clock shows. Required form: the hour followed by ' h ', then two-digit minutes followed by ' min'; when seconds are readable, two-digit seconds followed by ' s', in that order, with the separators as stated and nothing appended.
2 h 14 min
